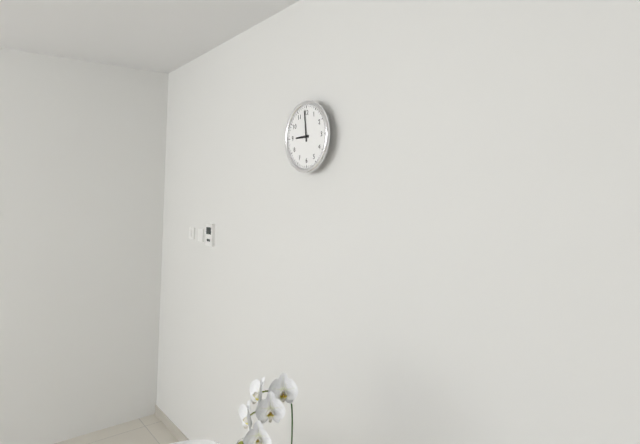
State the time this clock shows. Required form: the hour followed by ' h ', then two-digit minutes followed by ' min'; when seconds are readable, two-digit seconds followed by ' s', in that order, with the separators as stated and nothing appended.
8 h 59 min
